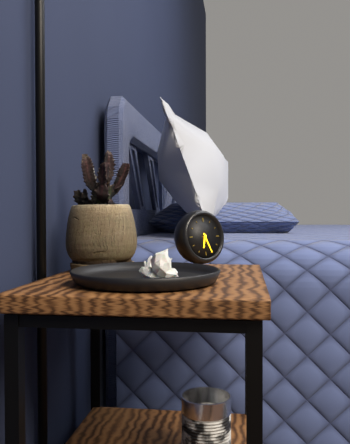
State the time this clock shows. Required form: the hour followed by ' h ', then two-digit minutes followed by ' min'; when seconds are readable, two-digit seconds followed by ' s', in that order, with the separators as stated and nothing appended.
6 h 26 min
